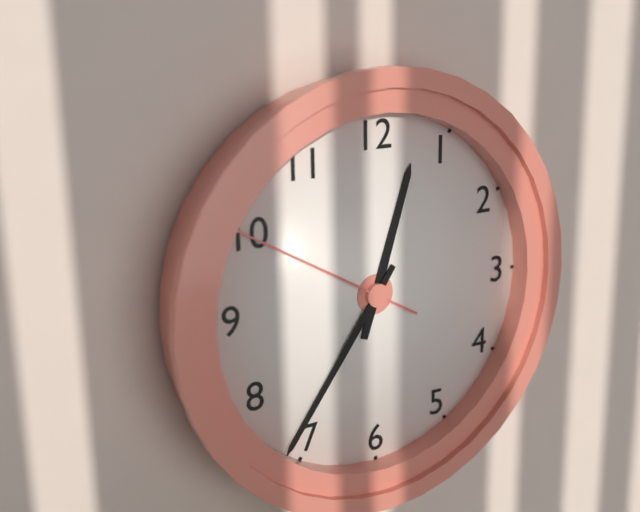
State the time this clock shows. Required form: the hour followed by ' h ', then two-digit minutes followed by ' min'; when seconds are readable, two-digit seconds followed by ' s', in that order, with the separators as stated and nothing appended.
12 h 36 min 50 s
